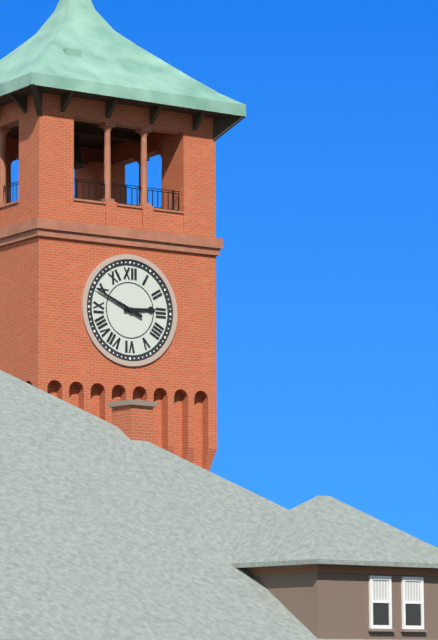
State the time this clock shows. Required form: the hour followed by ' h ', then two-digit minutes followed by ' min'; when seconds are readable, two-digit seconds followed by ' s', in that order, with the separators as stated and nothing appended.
2 h 49 min
